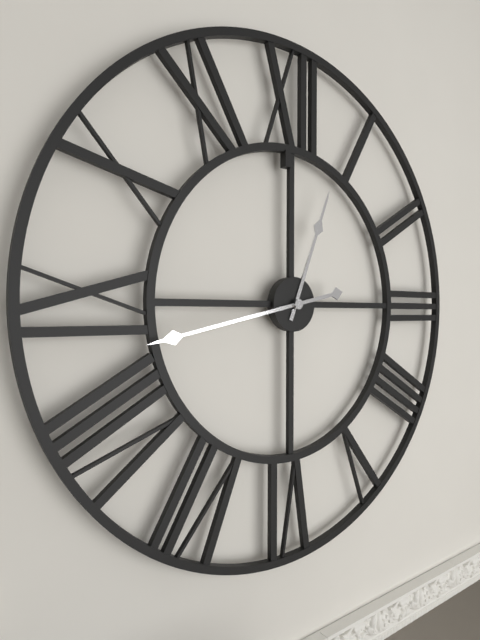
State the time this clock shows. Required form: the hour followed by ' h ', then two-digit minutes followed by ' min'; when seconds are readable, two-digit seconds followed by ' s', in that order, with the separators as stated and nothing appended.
12 h 43 min
